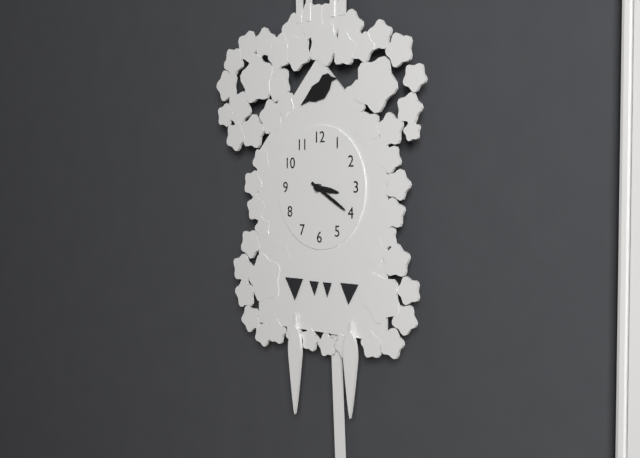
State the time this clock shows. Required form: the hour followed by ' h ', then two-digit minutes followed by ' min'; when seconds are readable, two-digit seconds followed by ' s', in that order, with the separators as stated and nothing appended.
3 h 20 min
